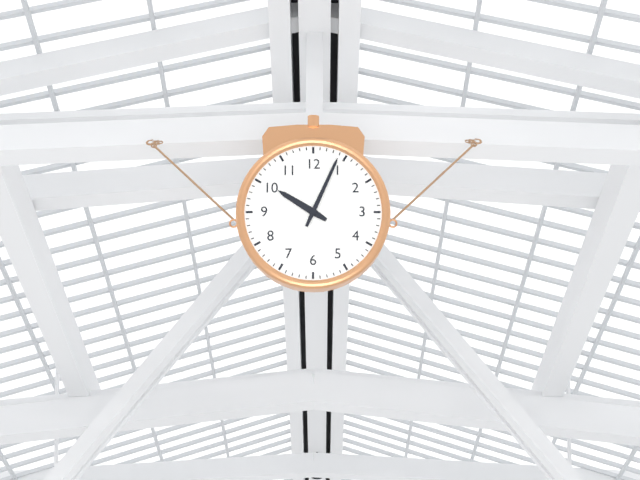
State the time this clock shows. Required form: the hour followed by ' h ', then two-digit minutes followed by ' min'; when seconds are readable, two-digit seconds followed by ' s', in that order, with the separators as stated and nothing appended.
10 h 04 min
